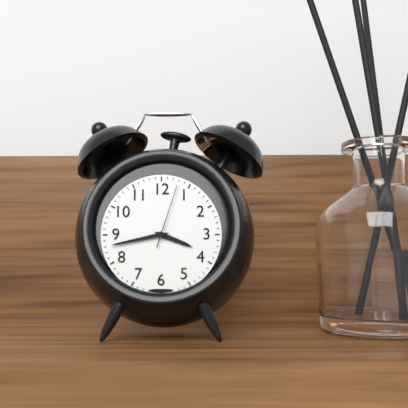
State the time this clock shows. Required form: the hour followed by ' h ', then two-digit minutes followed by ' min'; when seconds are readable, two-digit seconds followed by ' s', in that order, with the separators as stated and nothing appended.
3 h 43 min 03 s
